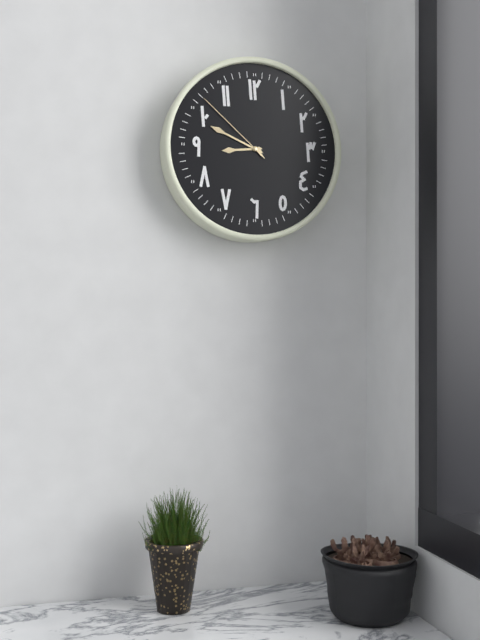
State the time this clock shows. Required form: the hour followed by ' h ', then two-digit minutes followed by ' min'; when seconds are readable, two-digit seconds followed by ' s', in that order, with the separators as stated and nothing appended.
8 h 49 min 52 s
